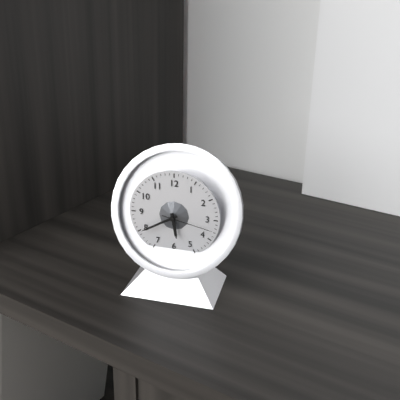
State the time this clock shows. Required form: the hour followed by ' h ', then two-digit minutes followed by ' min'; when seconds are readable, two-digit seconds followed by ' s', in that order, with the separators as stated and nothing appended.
5 h 40 min 17 s
